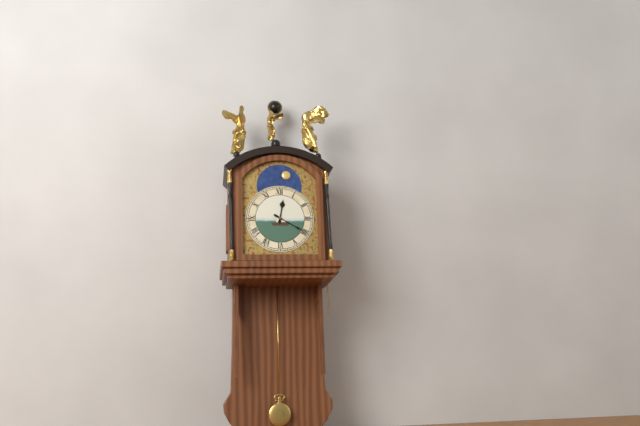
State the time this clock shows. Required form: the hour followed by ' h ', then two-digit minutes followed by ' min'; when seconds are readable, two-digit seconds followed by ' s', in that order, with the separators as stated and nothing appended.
12 h 20 min
